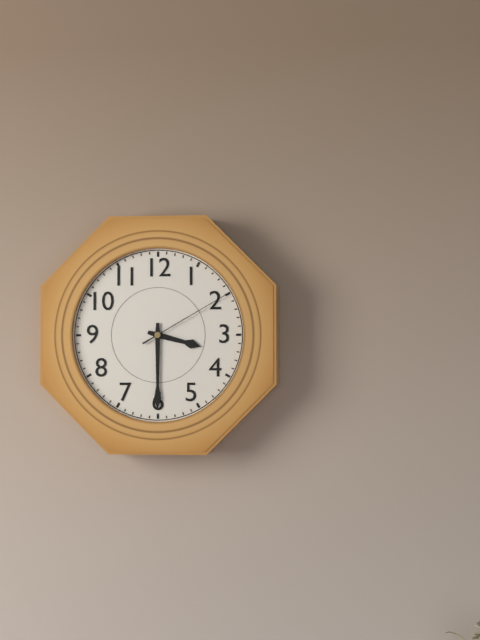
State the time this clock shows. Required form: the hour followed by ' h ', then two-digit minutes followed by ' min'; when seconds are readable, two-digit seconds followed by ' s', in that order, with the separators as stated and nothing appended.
3 h 30 min 10 s
